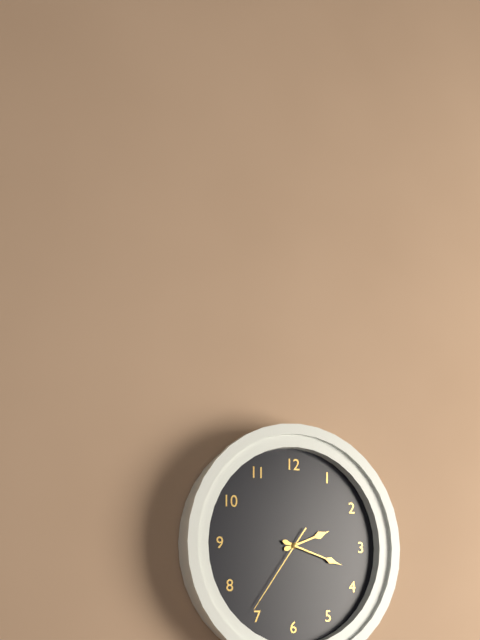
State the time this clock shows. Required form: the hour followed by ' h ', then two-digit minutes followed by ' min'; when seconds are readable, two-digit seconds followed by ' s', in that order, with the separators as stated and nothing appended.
2 h 18 min 36 s
